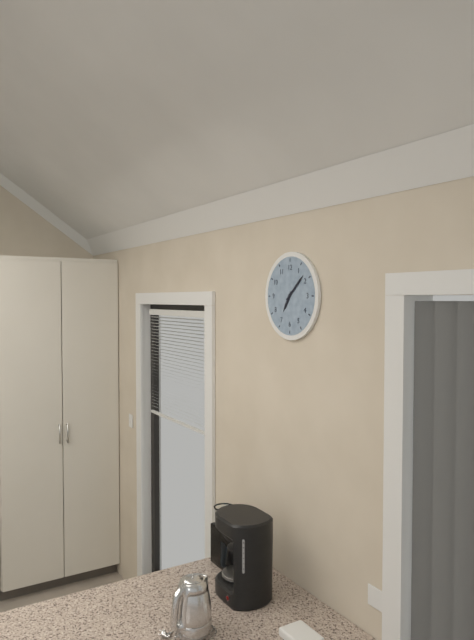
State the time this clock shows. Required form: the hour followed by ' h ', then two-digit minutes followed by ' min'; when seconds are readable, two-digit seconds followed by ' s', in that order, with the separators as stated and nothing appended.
7 h 08 min
